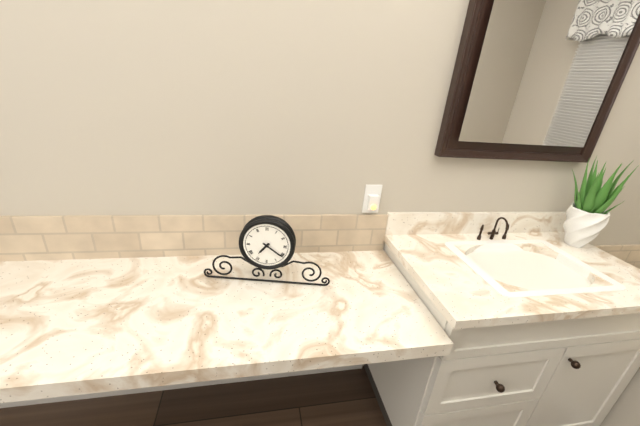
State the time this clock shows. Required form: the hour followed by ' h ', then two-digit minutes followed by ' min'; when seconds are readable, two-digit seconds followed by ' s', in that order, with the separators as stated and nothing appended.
7 h 21 min
